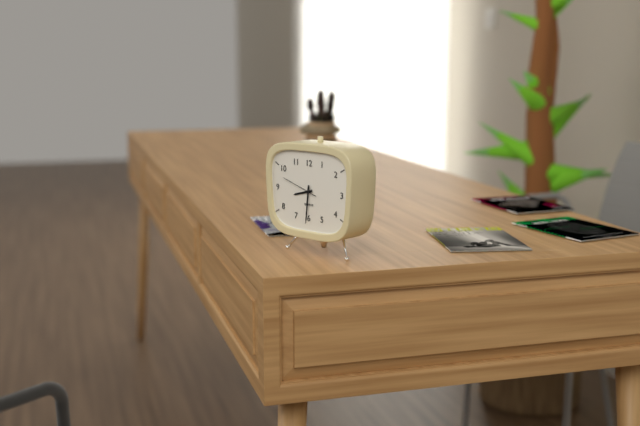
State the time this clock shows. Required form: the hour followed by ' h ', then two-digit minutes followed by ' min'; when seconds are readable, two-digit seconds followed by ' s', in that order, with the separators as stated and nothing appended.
8 h 31 min
